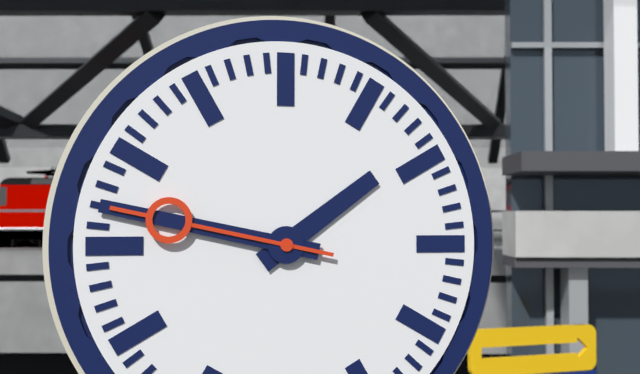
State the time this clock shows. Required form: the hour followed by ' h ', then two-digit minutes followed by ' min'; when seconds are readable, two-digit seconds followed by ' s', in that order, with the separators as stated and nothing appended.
1 h 47 min 47 s
